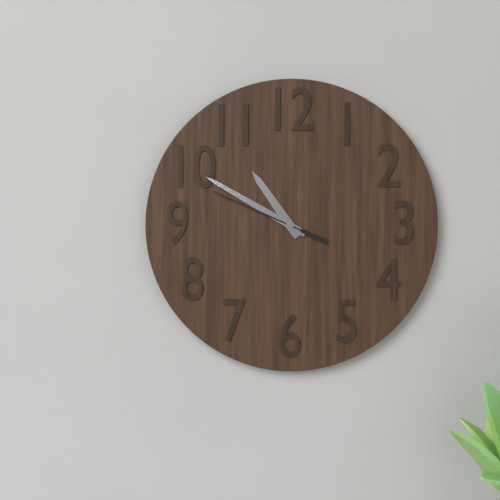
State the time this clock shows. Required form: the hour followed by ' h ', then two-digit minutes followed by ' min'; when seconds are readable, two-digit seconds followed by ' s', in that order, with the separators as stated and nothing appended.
10 h 50 min 49 s
